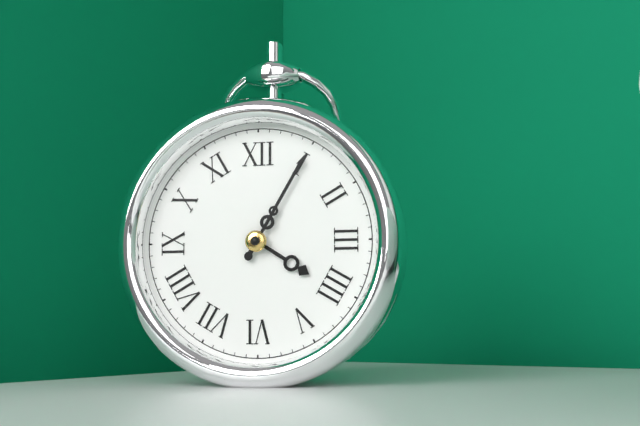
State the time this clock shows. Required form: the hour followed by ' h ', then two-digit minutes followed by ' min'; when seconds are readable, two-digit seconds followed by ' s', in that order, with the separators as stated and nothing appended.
4 h 05 min
